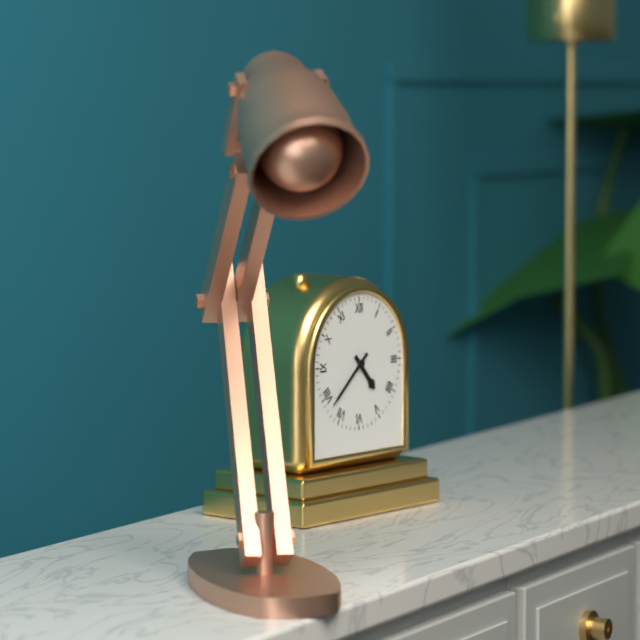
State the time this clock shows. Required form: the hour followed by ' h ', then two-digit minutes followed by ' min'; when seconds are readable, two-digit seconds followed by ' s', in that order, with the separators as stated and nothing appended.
4 h 38 min
